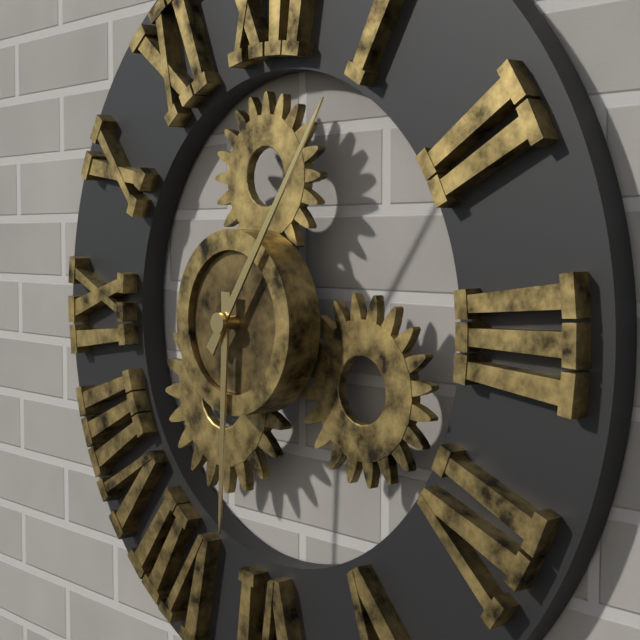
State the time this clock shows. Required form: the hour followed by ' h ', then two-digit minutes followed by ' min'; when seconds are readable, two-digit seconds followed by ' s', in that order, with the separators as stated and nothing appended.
6 h 06 min
